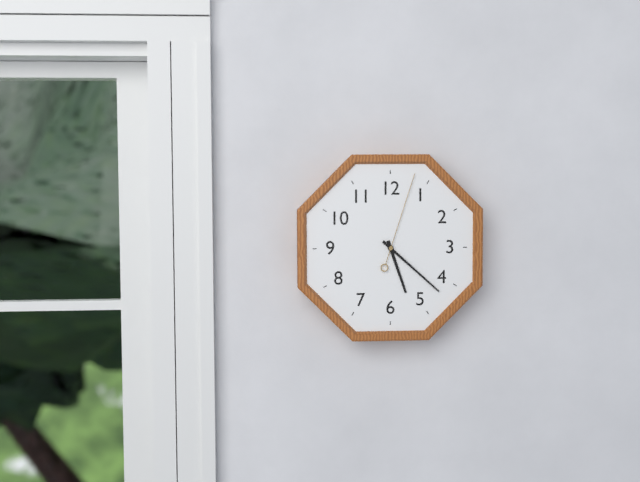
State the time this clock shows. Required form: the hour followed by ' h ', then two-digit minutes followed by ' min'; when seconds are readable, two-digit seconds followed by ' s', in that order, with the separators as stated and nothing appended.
5 h 22 min 03 s
